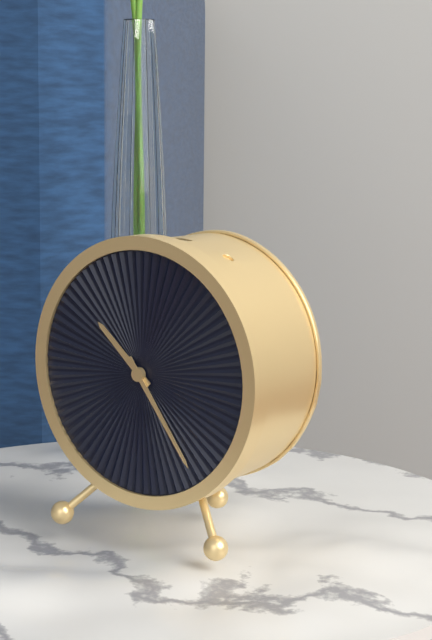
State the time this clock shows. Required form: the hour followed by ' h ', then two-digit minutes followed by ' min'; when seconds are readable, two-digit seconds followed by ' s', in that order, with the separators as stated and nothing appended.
10 h 24 min
